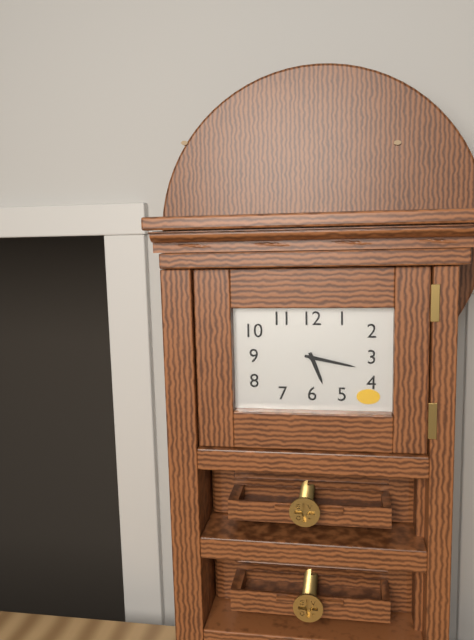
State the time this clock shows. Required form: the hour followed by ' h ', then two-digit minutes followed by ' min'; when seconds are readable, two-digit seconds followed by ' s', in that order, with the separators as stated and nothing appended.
5 h 17 min
